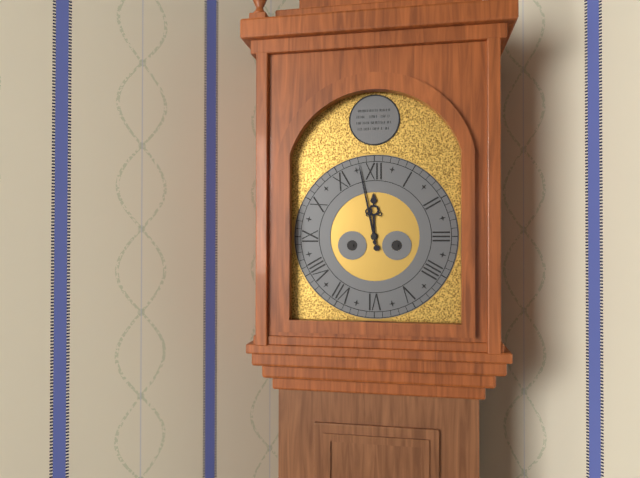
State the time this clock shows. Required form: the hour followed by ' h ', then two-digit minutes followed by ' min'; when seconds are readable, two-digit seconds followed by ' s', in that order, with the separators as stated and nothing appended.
11 h 58 min
